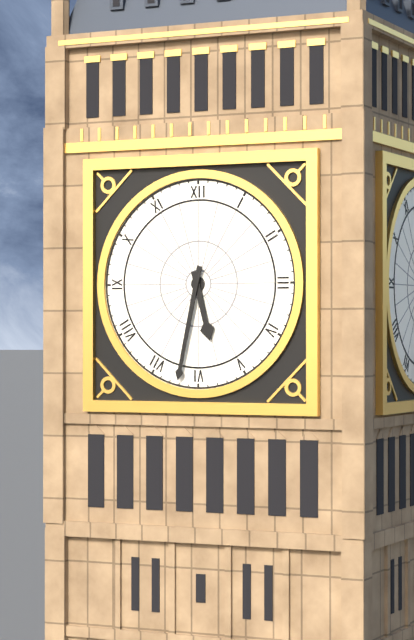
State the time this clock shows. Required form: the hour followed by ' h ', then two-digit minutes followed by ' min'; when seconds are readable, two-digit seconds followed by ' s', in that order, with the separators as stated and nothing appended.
5 h 32 min
